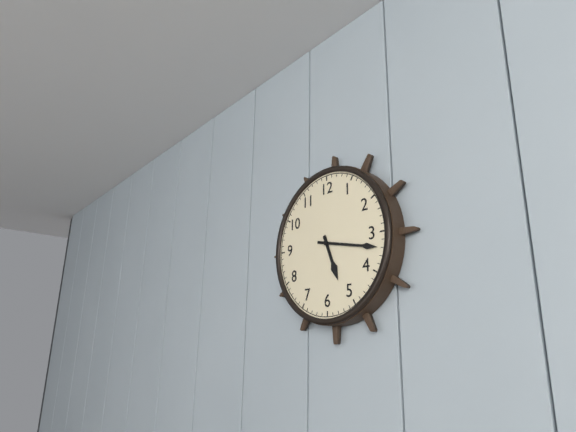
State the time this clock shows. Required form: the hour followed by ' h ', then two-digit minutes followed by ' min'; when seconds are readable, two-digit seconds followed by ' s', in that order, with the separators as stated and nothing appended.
5 h 17 min
